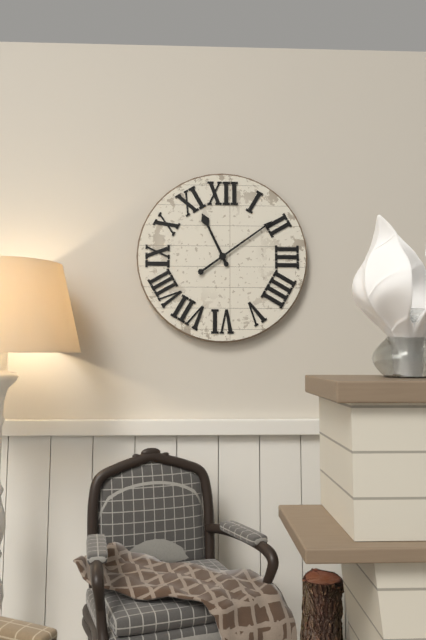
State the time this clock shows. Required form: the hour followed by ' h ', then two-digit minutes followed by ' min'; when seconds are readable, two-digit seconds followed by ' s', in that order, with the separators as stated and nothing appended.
11 h 09 min
